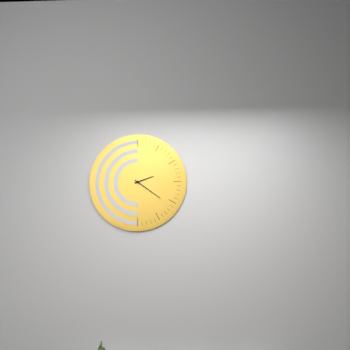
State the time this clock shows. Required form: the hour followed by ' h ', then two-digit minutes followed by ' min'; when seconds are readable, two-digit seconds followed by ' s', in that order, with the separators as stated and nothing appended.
2 h 21 min
